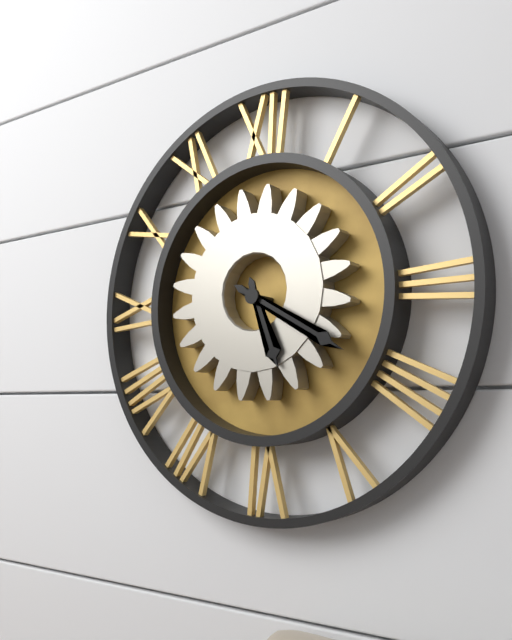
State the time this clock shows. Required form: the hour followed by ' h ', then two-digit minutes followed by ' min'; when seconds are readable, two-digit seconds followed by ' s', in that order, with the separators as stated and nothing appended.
5 h 20 min
